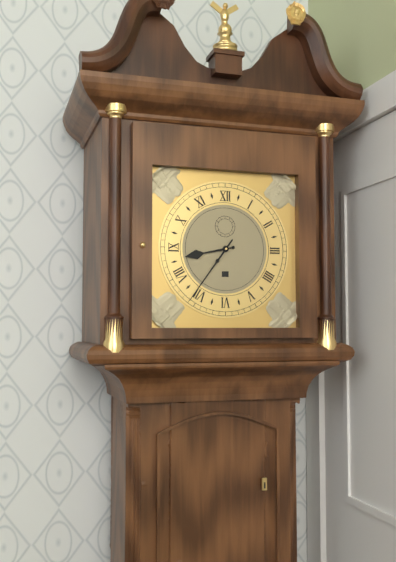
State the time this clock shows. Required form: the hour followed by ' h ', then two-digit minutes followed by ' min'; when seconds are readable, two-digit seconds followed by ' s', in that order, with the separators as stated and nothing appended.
8 h 36 min
